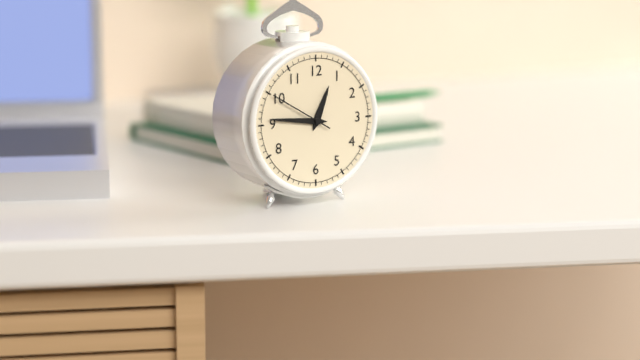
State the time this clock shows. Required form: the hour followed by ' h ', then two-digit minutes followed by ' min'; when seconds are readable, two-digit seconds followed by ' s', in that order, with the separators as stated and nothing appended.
12 h 46 min 50 s
